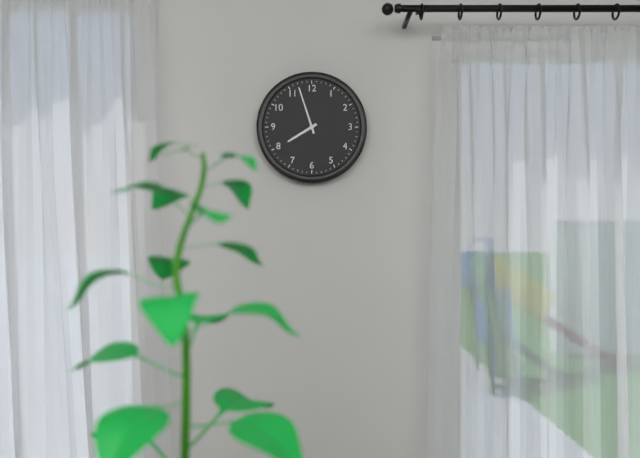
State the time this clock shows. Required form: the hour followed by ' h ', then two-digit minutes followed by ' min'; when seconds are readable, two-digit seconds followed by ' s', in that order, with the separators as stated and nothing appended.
7 h 57 min
